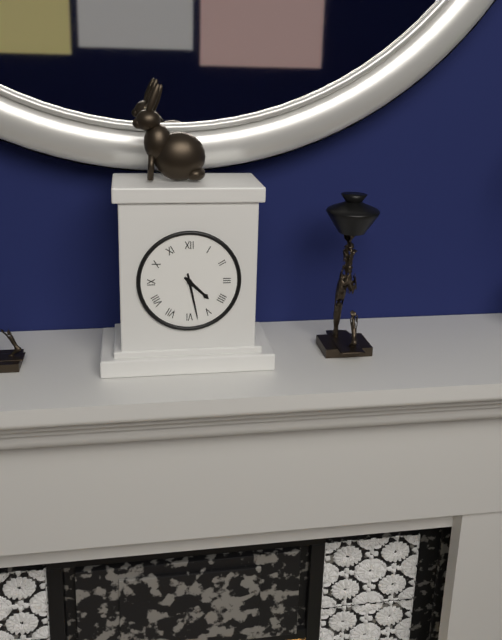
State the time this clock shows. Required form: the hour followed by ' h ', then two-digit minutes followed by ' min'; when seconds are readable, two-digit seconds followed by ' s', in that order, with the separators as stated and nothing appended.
4 h 28 min
